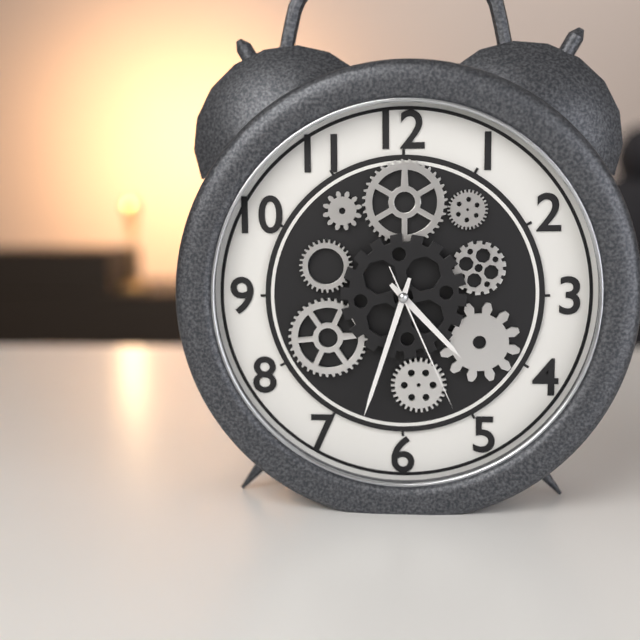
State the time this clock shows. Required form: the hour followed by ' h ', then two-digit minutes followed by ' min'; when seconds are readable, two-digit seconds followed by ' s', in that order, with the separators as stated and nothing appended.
4 h 33 min 26 s
